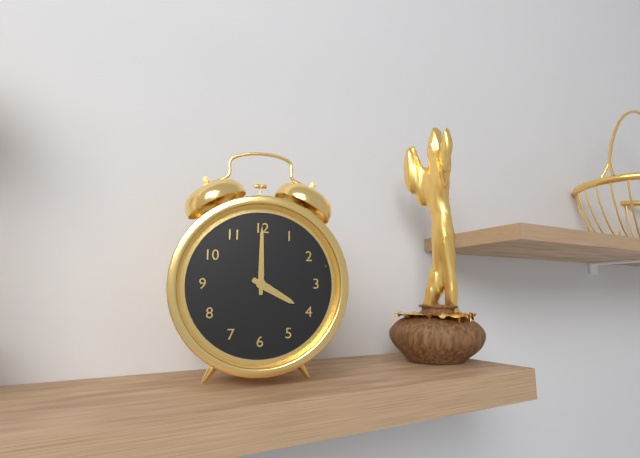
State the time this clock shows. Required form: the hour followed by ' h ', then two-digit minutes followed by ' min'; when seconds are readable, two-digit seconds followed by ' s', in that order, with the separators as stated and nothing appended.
4 h 00 min
